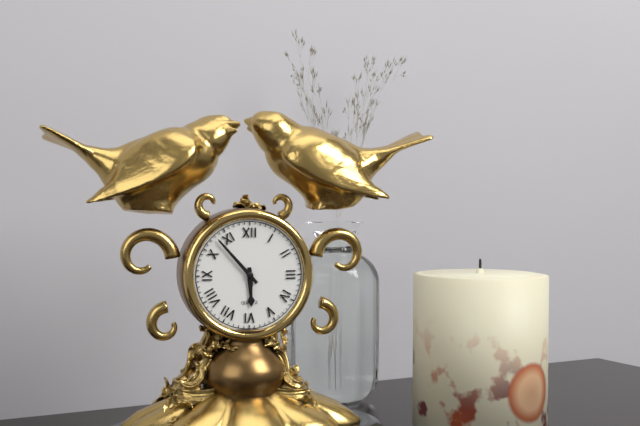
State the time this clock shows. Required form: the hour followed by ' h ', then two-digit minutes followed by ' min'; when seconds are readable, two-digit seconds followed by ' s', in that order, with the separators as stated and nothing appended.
5 h 53 min
